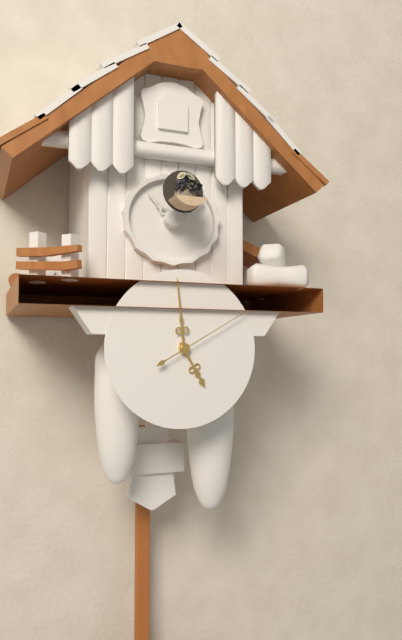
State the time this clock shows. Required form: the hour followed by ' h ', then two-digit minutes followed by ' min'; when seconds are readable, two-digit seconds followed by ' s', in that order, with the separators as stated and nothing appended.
4 h 59 min 10 s
